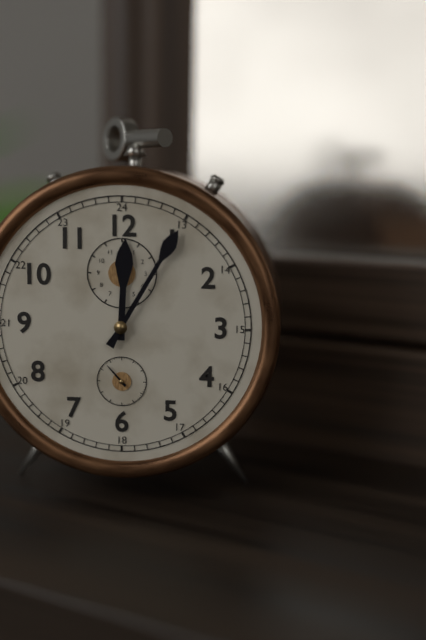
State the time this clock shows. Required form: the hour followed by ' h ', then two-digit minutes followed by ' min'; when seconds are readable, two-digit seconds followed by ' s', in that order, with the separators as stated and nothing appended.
12 h 05 min
